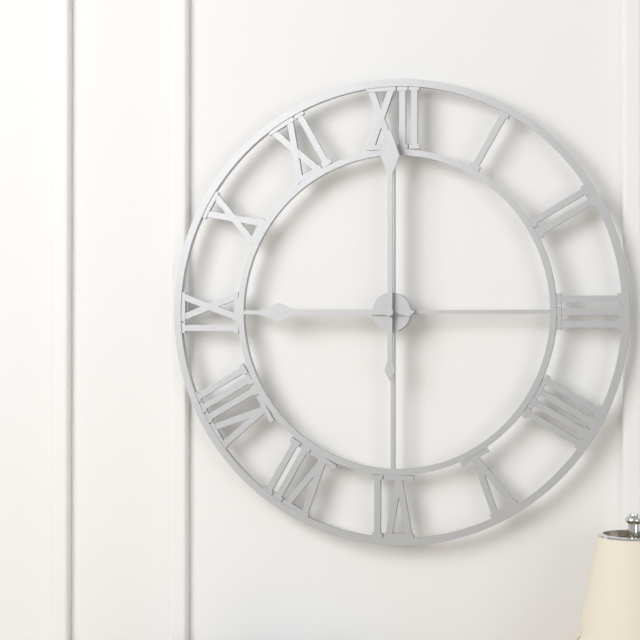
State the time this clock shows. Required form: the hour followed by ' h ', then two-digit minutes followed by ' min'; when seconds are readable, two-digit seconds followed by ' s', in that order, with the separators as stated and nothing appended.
9 h 00 min
